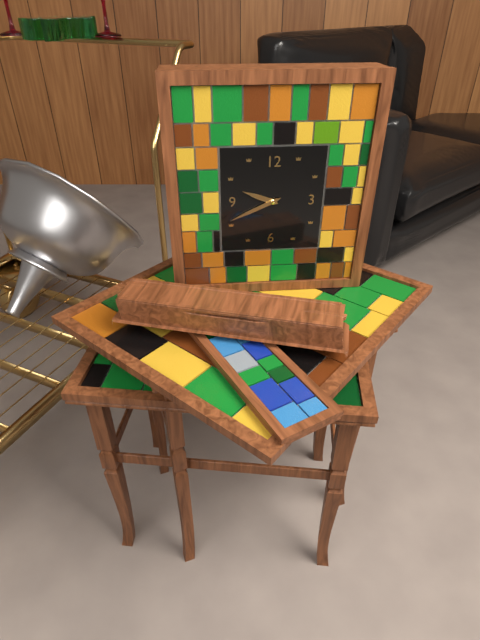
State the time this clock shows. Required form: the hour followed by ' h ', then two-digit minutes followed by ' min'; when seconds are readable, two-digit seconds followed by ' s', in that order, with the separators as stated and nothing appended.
9 h 41 min
